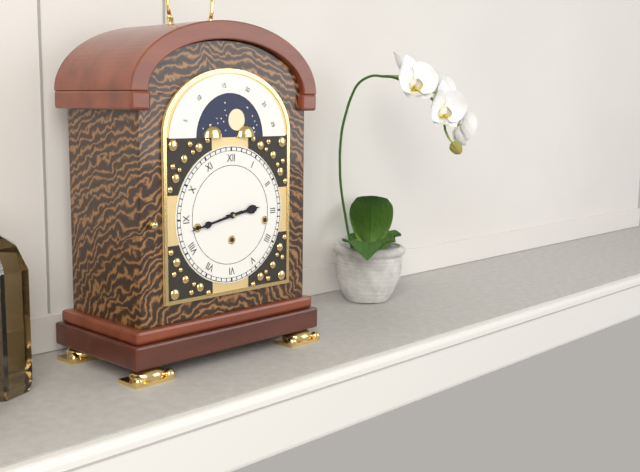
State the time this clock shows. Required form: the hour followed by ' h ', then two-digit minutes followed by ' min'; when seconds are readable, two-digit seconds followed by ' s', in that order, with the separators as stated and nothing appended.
2 h 43 min
